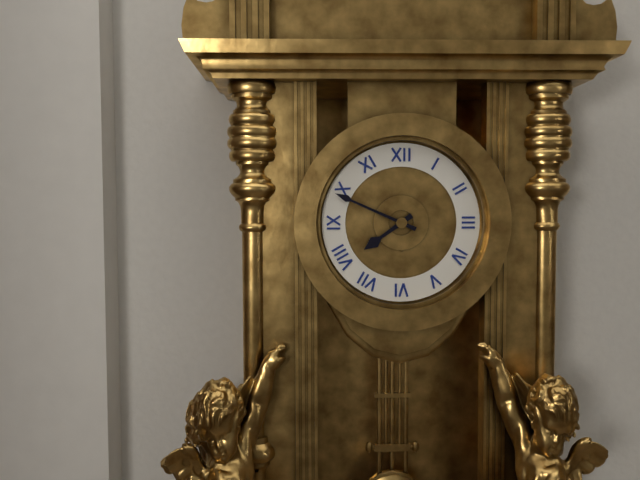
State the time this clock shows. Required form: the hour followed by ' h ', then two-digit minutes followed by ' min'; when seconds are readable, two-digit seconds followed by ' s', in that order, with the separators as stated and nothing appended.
7 h 49 min
